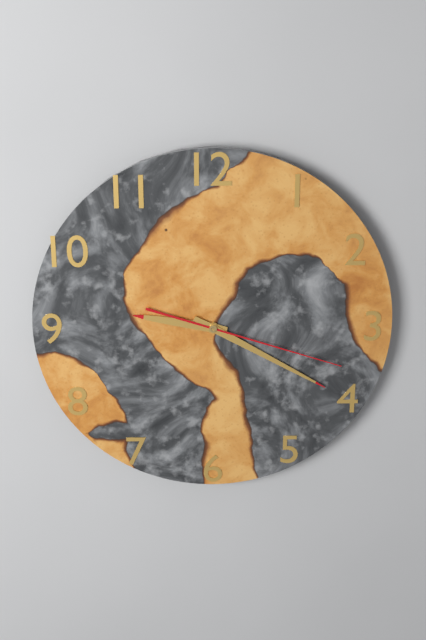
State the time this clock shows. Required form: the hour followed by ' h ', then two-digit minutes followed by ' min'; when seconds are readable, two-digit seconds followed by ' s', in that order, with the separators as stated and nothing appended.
9 h 20 min 18 s
